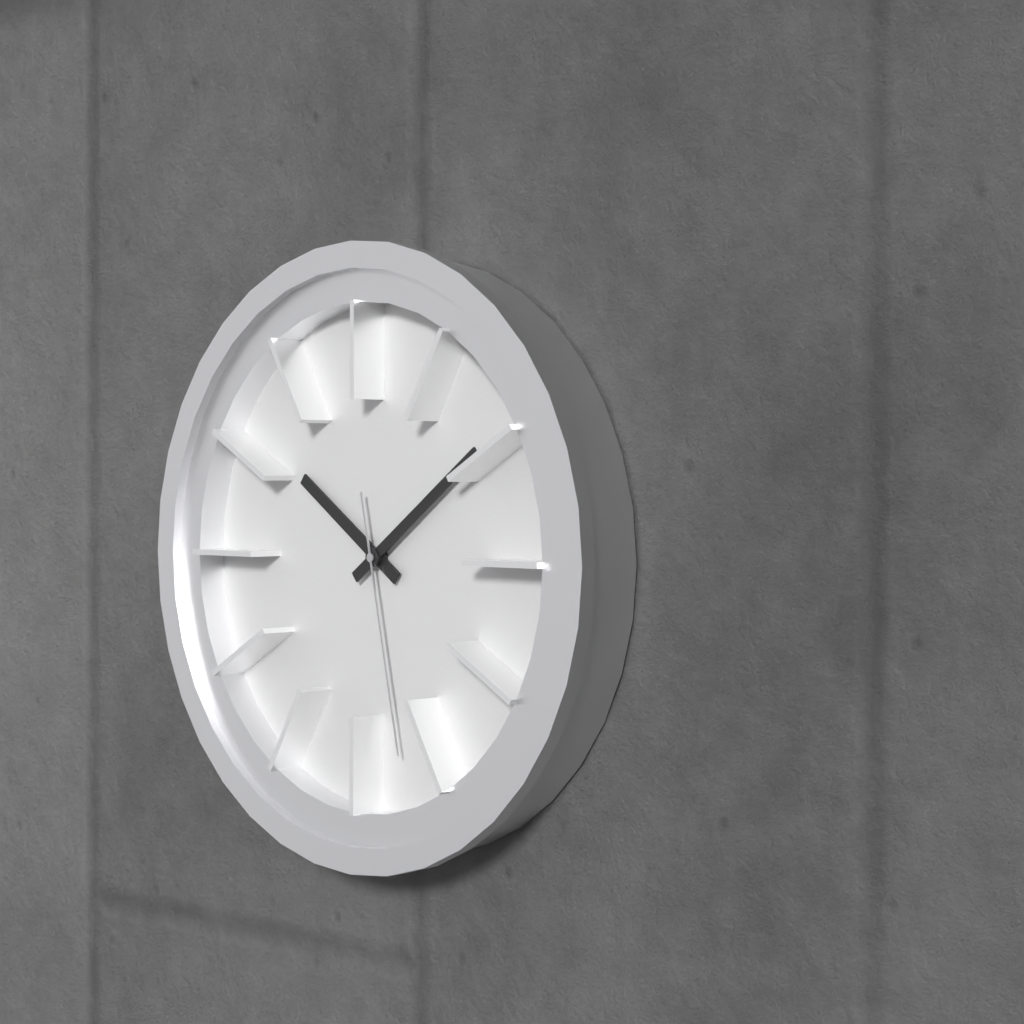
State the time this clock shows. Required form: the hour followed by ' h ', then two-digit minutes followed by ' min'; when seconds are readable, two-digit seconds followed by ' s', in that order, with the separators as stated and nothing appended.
10 h 09 min 28 s
